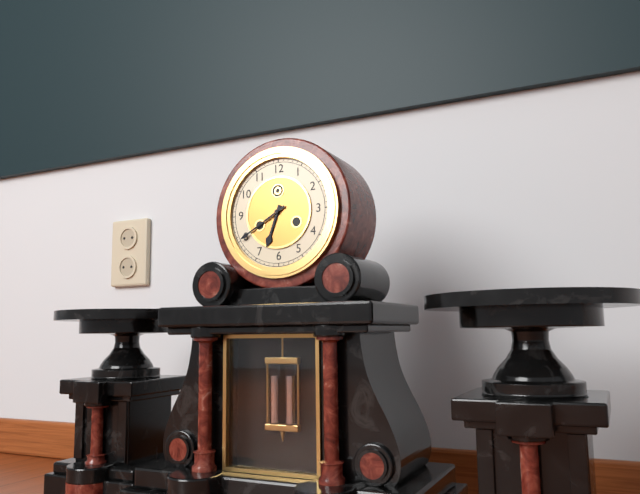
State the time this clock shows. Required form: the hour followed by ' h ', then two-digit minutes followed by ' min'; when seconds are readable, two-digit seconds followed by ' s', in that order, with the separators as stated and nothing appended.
6 h 40 min
